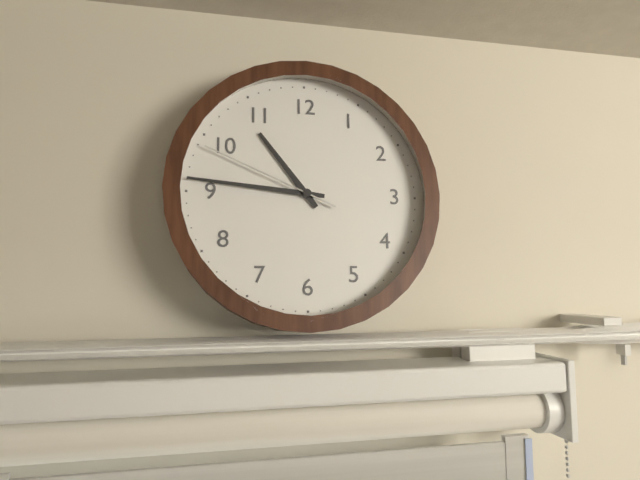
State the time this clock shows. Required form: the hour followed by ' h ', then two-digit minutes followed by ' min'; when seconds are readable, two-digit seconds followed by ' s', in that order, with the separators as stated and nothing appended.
10 h 46 min 49 s
